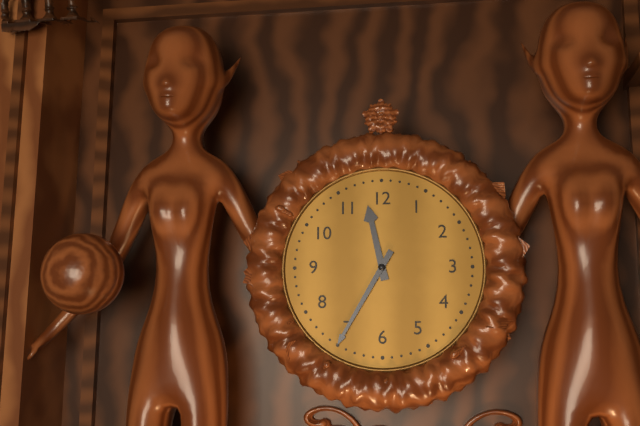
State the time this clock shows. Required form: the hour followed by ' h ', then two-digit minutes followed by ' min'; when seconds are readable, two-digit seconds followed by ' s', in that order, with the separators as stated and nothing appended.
11 h 35 min
